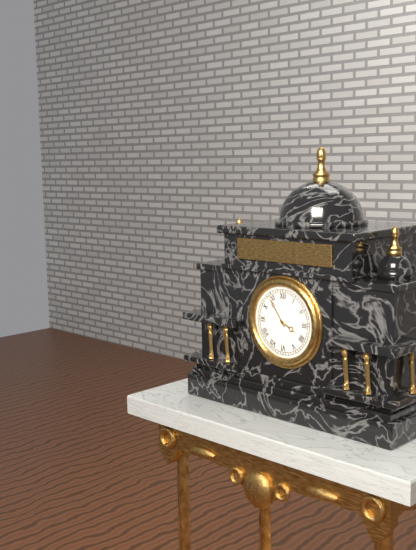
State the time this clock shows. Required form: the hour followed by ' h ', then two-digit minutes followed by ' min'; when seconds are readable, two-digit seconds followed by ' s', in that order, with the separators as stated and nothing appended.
3 h 54 min
